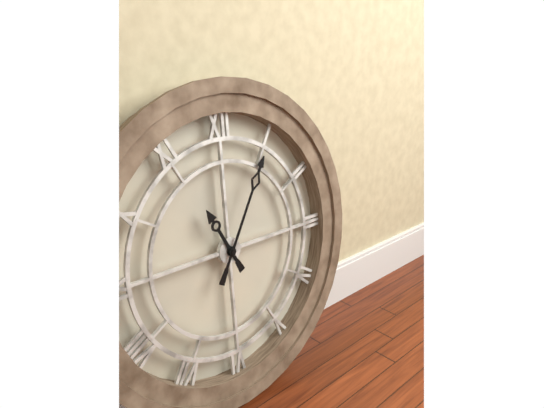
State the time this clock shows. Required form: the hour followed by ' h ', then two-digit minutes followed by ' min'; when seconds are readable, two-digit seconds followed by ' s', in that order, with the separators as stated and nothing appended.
11 h 05 min
